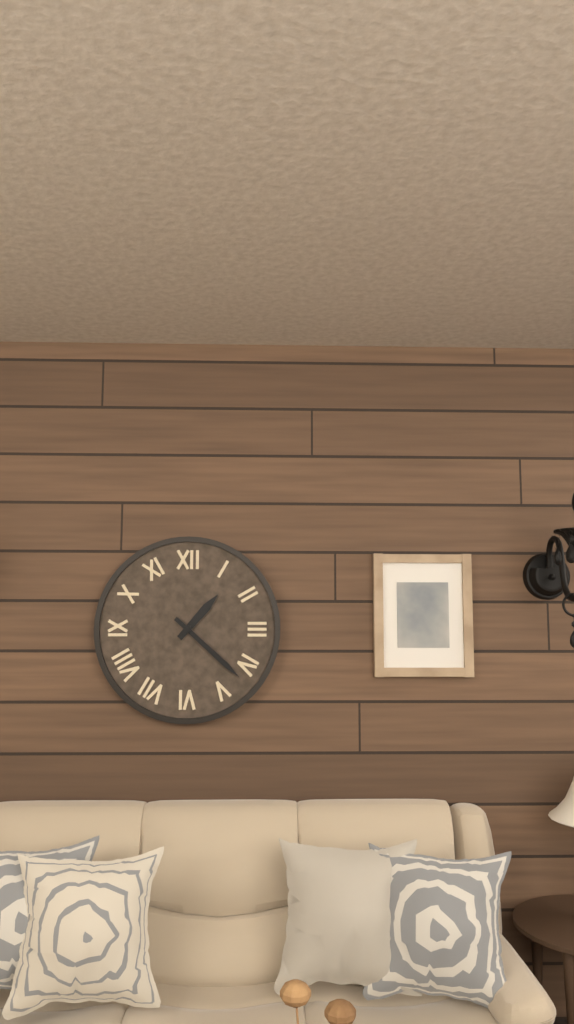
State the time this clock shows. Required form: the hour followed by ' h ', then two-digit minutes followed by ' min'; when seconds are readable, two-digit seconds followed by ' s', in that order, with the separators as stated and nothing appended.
1 h 22 min
